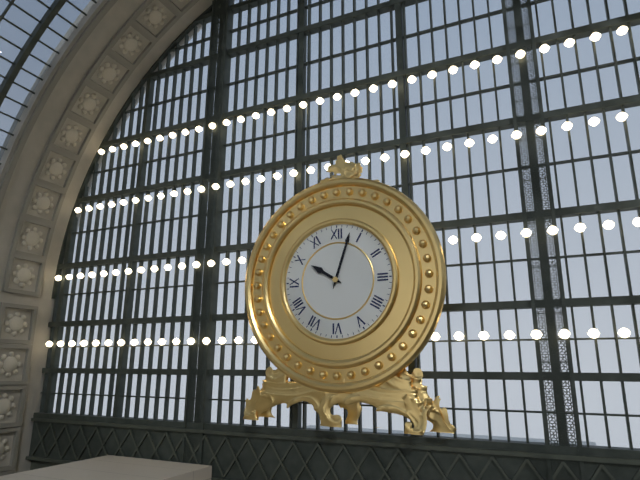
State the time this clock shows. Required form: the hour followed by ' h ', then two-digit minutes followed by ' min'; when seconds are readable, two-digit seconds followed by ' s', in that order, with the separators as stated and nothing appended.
10 h 03 min
